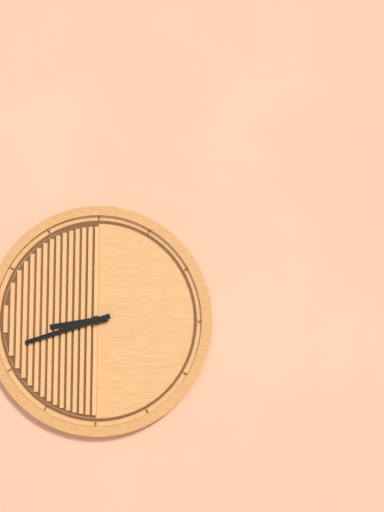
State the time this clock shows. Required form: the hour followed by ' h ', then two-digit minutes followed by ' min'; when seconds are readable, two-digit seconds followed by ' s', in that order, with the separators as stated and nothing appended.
8 h 42 min
